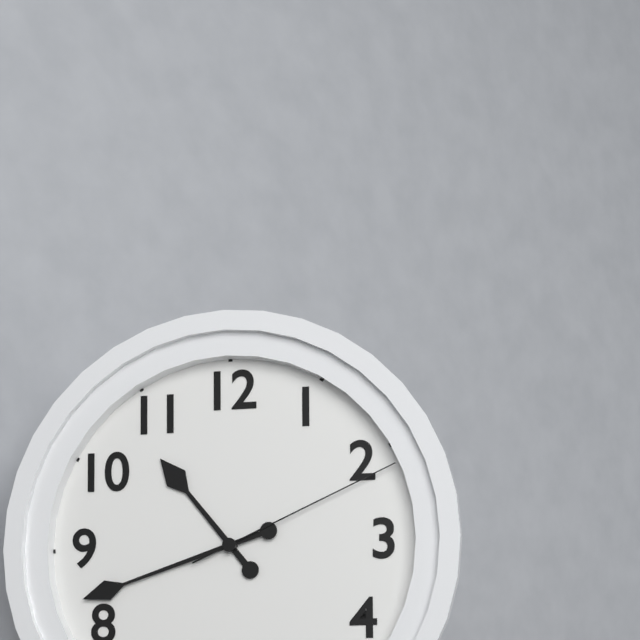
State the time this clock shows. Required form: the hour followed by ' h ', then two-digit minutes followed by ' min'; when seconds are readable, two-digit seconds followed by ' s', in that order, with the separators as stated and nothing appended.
10 h 42 min 11 s
